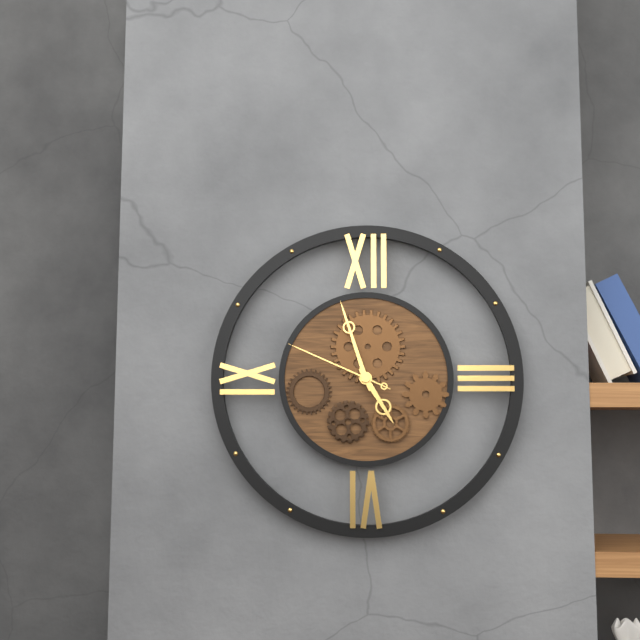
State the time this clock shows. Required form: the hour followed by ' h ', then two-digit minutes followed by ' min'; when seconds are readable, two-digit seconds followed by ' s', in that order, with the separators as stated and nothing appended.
4 h 57 min 49 s
